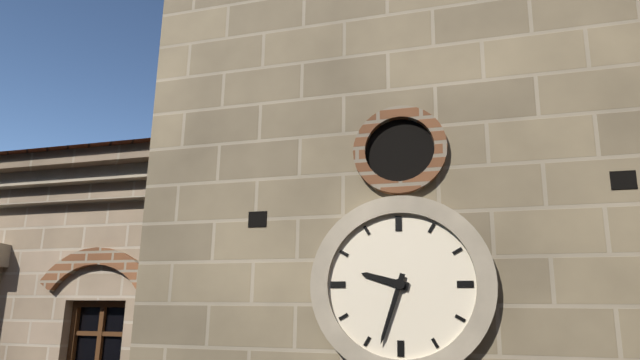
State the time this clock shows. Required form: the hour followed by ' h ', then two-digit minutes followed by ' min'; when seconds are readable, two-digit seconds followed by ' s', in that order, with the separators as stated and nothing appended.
9 h 33 min
